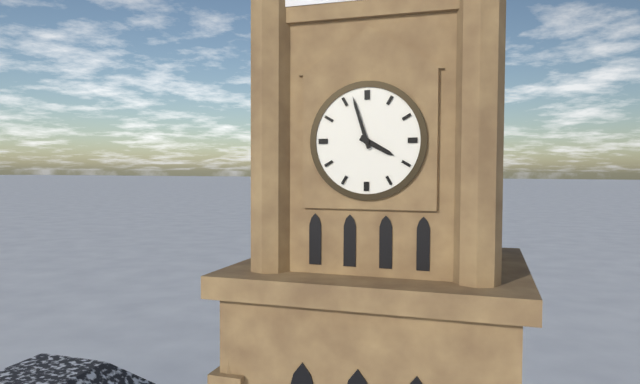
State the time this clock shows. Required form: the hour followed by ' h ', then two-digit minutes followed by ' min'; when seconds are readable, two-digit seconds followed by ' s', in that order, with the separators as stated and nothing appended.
3 h 57 min
